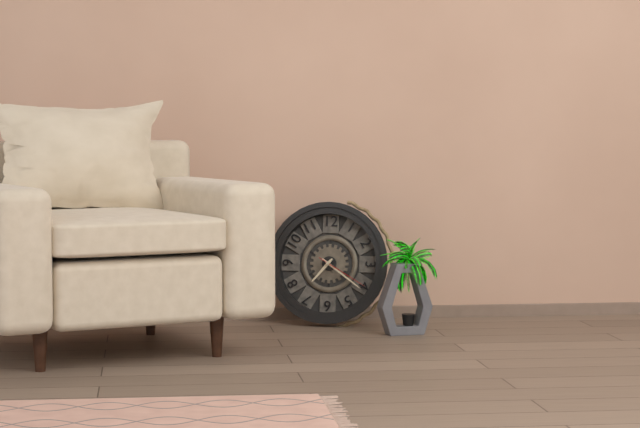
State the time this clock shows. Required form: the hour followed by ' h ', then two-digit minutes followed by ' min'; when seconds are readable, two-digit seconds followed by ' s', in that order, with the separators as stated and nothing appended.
7 h 21 min 20 s
